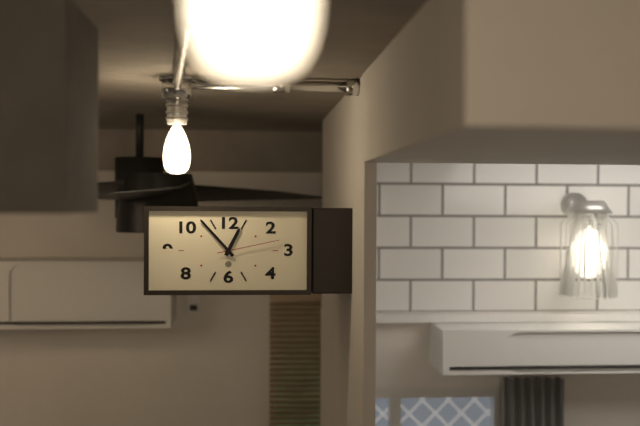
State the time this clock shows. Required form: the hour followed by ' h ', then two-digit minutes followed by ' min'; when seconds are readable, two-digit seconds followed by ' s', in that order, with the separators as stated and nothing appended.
12 h 53 min 13 s
